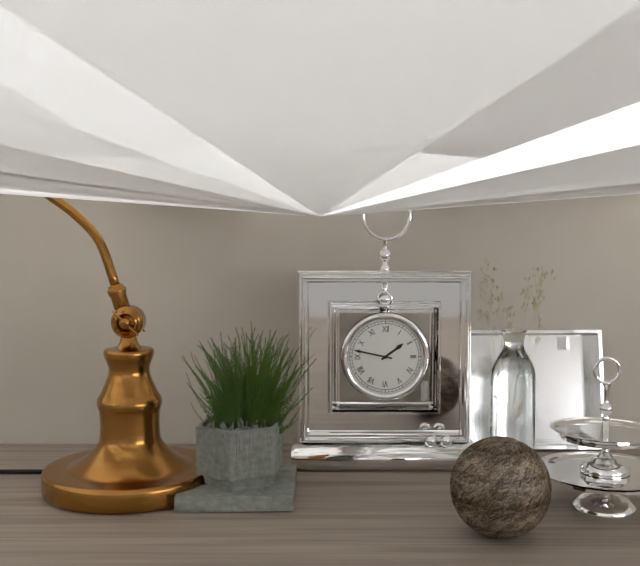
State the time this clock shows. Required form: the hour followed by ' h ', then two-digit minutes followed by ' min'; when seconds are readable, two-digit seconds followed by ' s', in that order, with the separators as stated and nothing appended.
1 h 47 min
